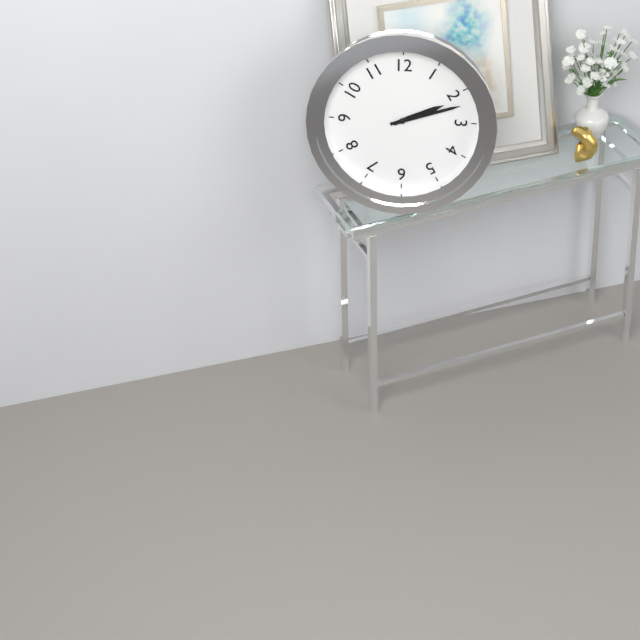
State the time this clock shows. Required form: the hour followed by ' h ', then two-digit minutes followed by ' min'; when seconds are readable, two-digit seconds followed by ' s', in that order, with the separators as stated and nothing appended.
2 h 12 min
